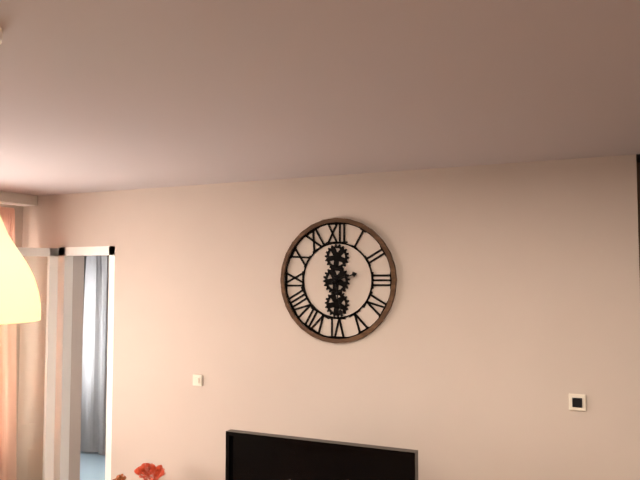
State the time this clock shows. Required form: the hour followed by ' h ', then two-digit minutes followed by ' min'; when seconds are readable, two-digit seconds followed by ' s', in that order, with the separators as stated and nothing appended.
2 h 28 min
